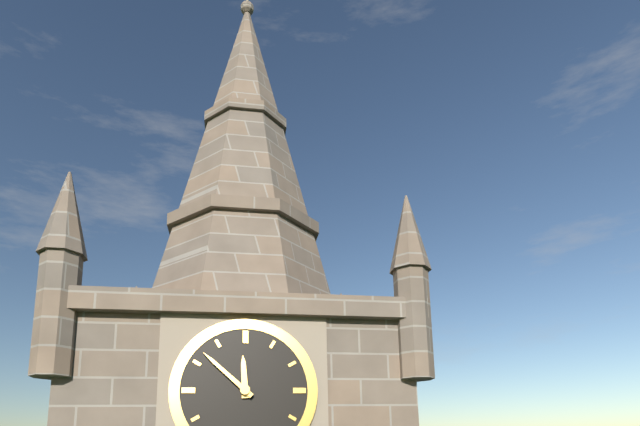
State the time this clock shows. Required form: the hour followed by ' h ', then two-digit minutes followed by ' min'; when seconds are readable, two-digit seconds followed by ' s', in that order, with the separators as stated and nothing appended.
11 h 52 min
